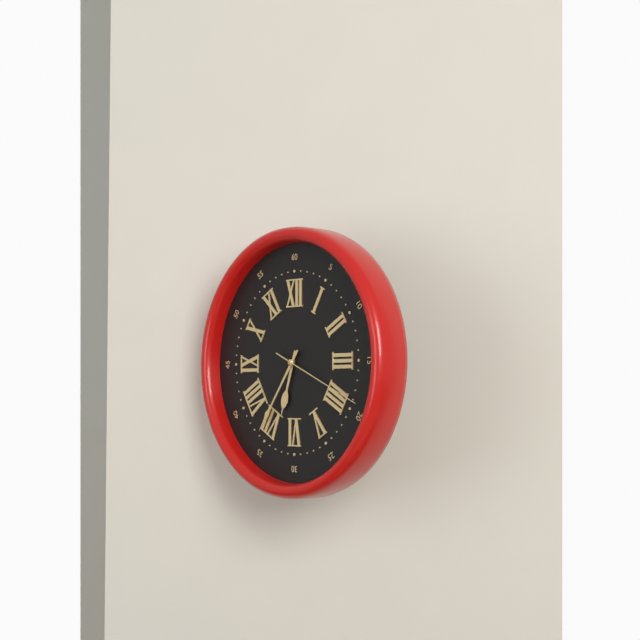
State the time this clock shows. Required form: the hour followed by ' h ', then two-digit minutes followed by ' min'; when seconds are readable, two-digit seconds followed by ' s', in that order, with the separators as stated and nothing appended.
6 h 36 min 19 s
